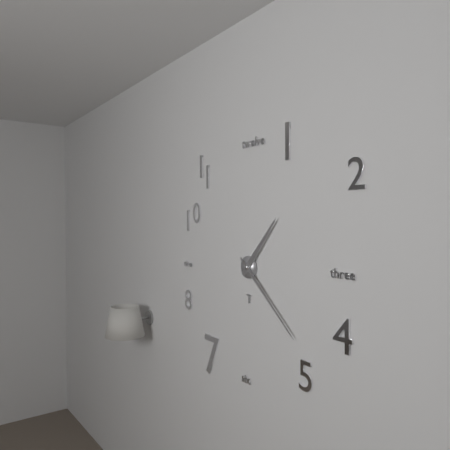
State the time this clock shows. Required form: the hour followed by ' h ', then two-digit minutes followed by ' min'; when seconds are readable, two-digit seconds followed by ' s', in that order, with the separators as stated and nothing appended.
1 h 22 min
